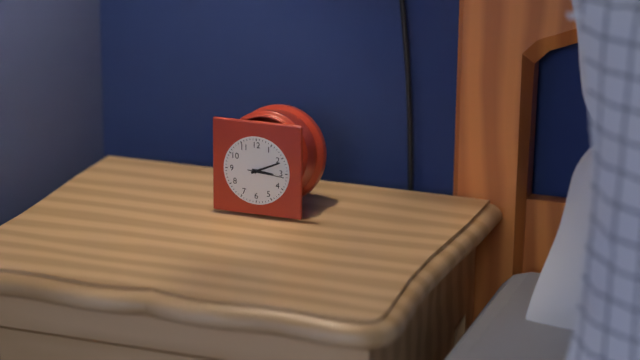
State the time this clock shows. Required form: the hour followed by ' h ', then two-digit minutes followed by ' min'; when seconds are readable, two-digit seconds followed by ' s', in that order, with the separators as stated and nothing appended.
3 h 11 min
